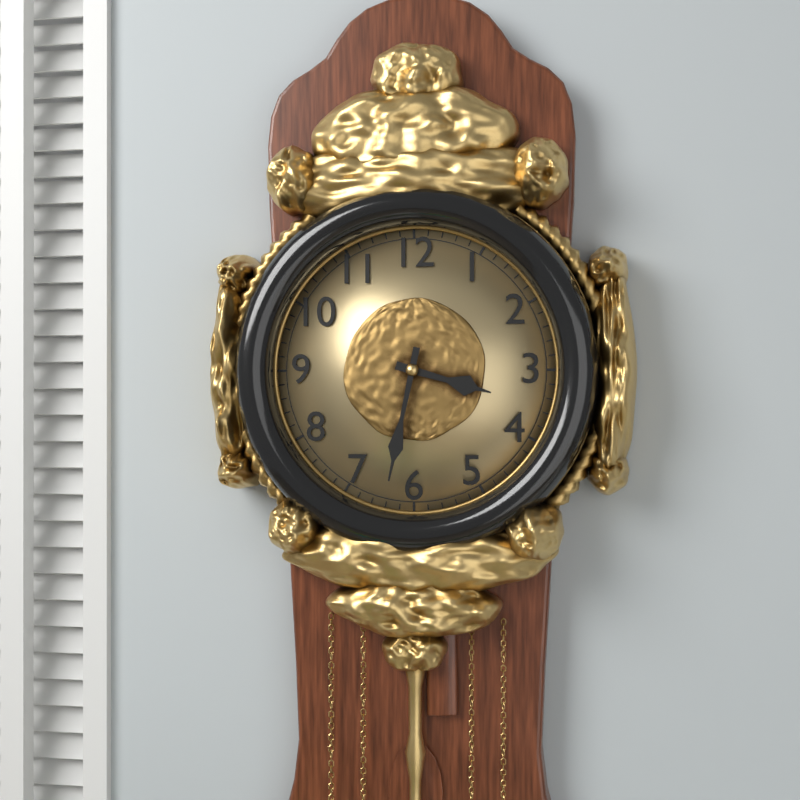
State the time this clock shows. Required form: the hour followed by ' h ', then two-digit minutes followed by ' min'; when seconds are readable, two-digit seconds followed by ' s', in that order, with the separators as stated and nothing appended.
3 h 32 min
